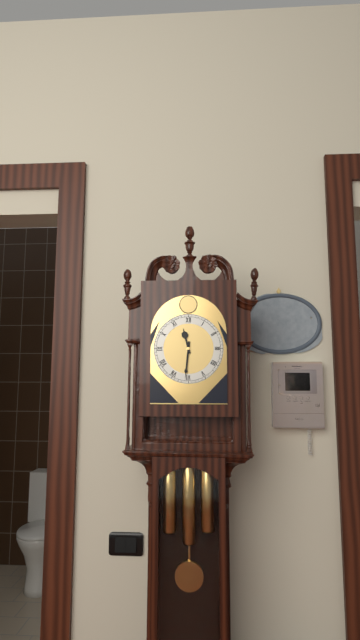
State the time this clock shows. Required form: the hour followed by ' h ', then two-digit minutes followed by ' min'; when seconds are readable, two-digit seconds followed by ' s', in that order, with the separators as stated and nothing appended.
11 h 31 min
